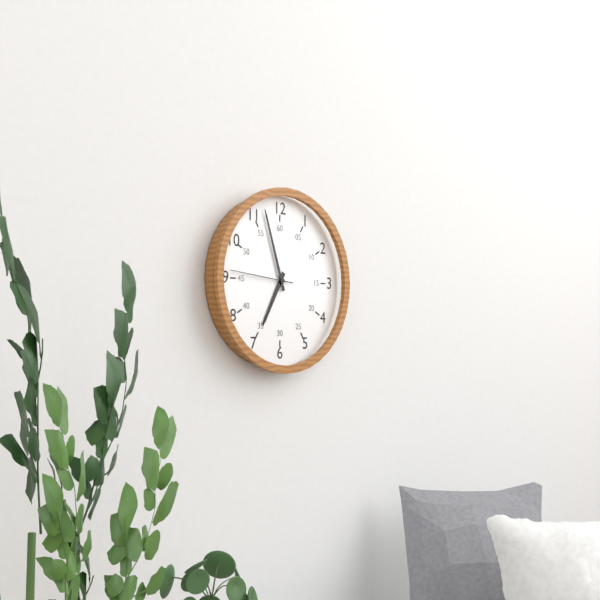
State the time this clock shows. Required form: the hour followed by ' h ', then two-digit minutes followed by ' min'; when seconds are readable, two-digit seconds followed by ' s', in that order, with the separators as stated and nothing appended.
6 h 57 min 46 s
